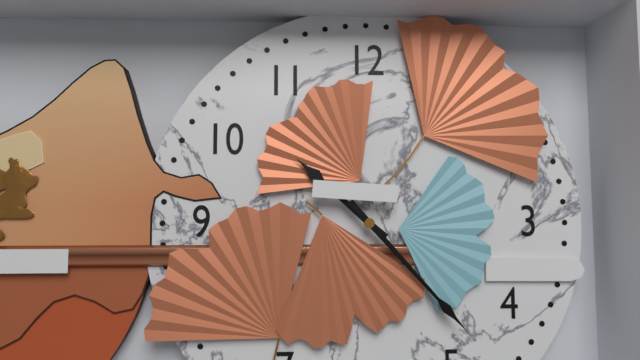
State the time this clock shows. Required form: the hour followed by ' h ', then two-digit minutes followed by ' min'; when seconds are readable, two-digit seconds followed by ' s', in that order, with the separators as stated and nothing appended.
10 h 23 min
